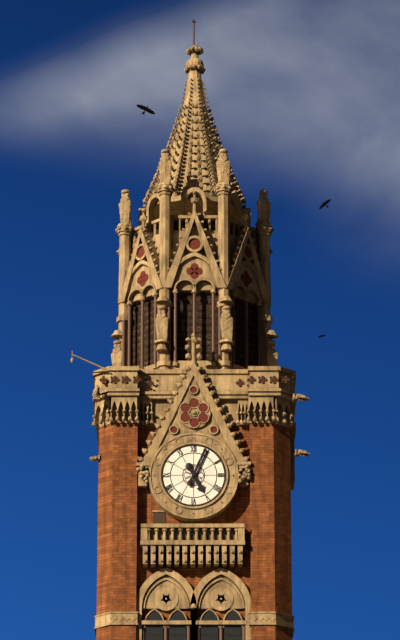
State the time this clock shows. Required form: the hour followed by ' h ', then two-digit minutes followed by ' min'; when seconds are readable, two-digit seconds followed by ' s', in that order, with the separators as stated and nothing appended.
5 h 04 min
